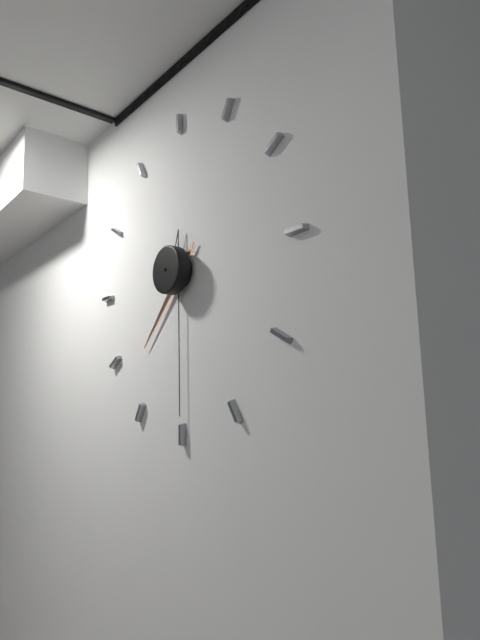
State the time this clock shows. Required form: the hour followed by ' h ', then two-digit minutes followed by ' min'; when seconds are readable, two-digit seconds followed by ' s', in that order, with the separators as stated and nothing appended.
7 h 30 min
